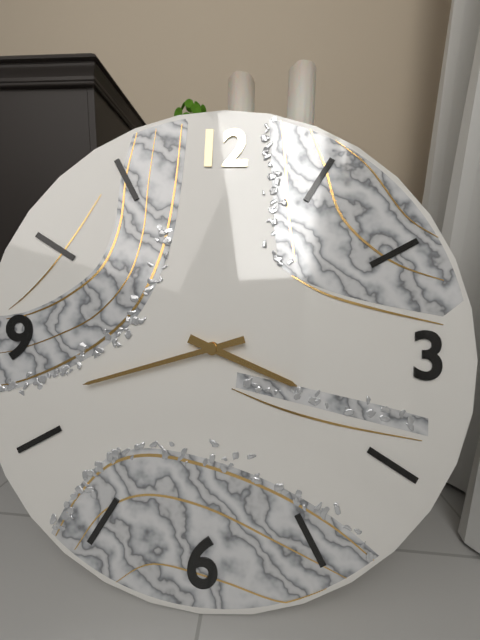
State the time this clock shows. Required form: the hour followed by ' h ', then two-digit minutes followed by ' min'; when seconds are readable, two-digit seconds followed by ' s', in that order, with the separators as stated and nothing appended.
3 h 42 min
